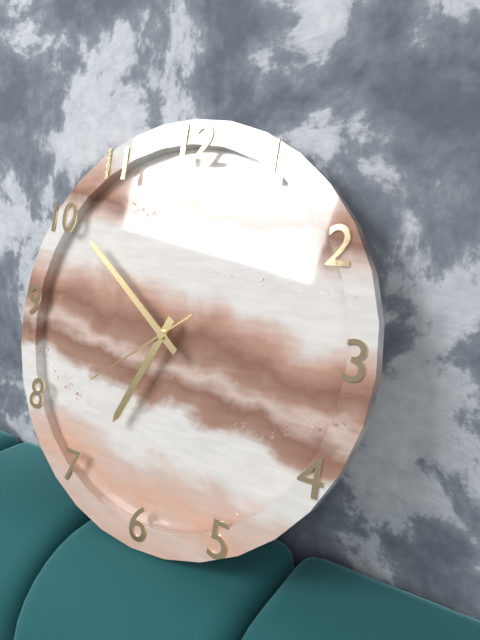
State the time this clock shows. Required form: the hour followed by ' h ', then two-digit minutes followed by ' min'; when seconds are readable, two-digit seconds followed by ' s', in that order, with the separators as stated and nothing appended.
6 h 51 min 39 s
